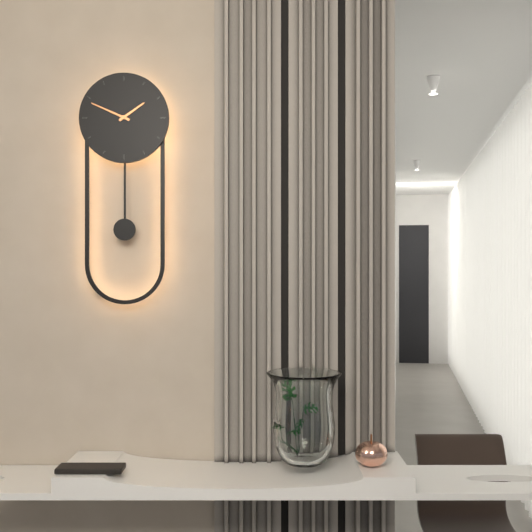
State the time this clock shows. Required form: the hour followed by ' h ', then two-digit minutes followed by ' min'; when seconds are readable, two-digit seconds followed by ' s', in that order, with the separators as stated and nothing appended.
1 h 49 min
